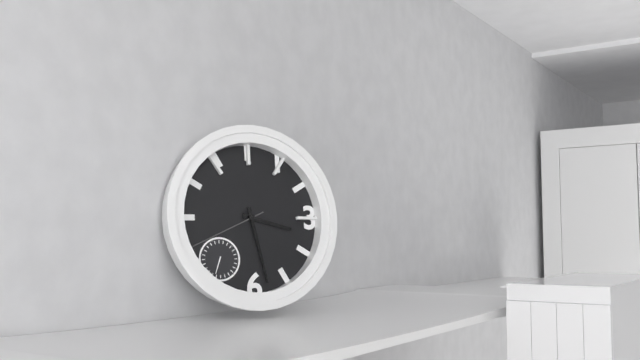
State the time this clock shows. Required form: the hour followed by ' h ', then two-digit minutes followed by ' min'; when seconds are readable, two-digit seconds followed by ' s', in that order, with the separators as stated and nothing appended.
3 h 28 min 41 s
